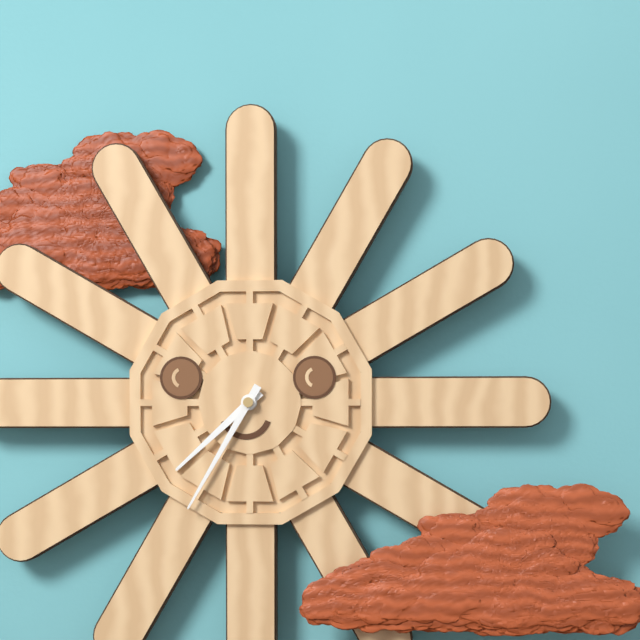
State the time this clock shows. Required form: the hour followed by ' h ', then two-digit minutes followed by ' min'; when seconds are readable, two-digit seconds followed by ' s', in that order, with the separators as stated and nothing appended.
7 h 35 min
